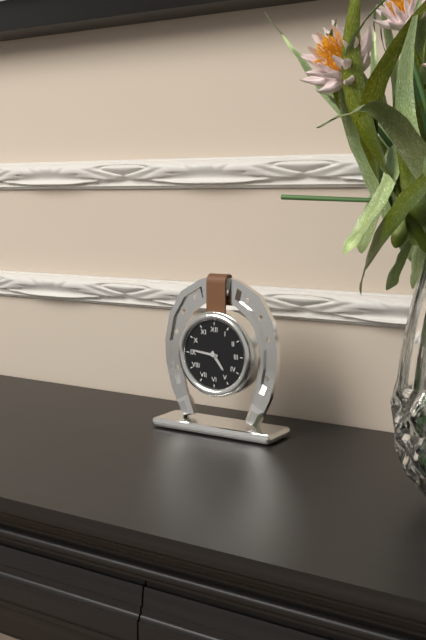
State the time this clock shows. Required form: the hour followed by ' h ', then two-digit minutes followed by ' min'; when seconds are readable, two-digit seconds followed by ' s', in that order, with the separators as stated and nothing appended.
4 h 46 min
